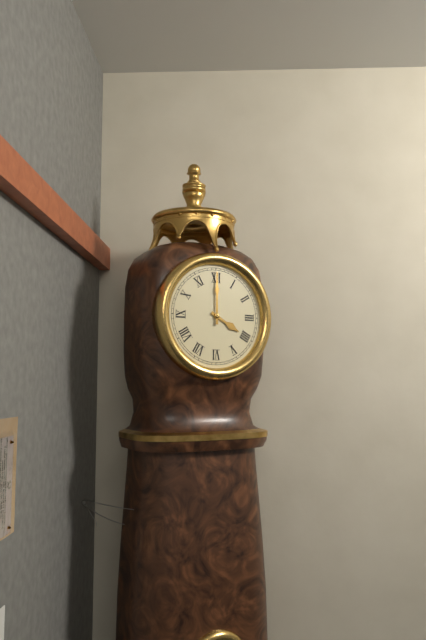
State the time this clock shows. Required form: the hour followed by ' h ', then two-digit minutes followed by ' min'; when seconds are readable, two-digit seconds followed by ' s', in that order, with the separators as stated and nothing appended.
4 h 00 min
